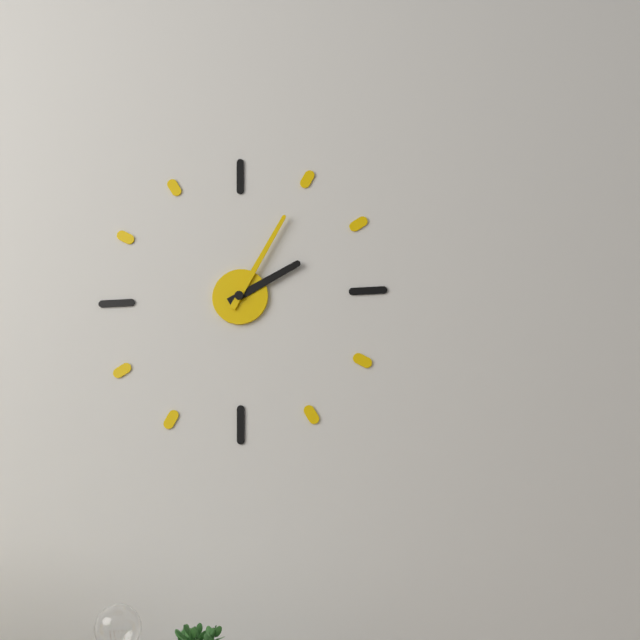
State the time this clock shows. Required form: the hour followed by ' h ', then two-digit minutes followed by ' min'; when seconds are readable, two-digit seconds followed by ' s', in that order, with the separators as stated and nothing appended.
2 h 05 min
